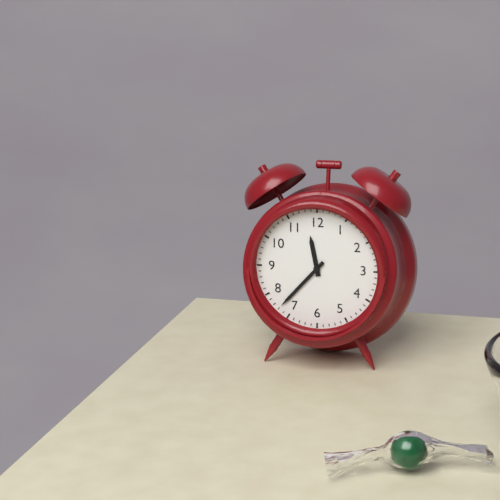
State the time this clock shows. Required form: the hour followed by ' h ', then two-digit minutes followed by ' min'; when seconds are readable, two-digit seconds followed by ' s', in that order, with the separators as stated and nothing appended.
11 h 37 min
